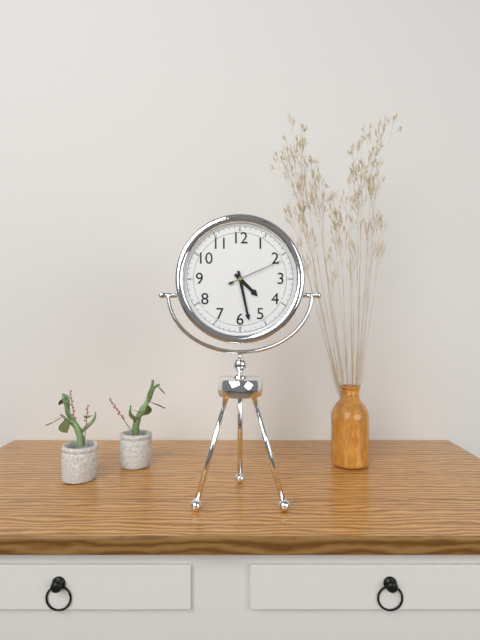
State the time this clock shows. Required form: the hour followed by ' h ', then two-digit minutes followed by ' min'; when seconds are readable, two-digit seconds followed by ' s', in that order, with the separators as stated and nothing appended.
4 h 28 min 11 s
